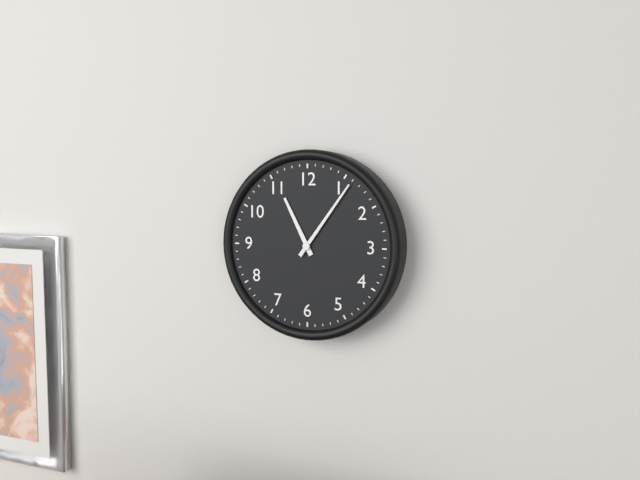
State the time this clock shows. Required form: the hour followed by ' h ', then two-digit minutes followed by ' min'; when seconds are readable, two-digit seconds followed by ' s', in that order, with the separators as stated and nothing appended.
11 h 06 min
